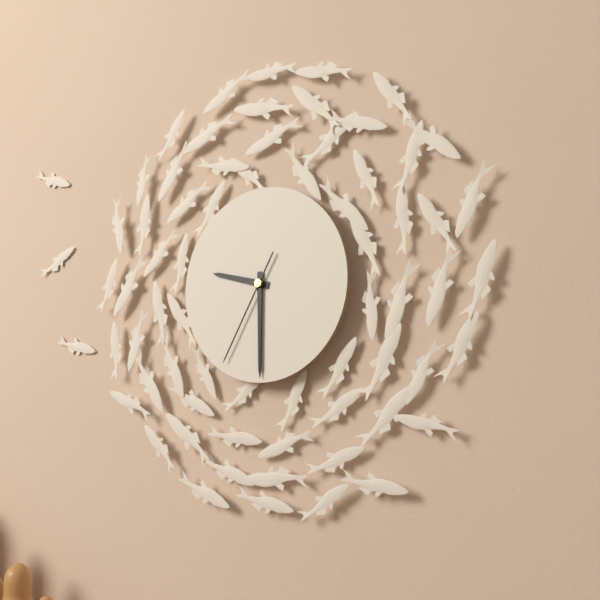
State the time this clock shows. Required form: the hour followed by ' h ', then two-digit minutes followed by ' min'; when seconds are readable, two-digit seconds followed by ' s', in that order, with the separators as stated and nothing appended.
9 h 30 min 35 s
